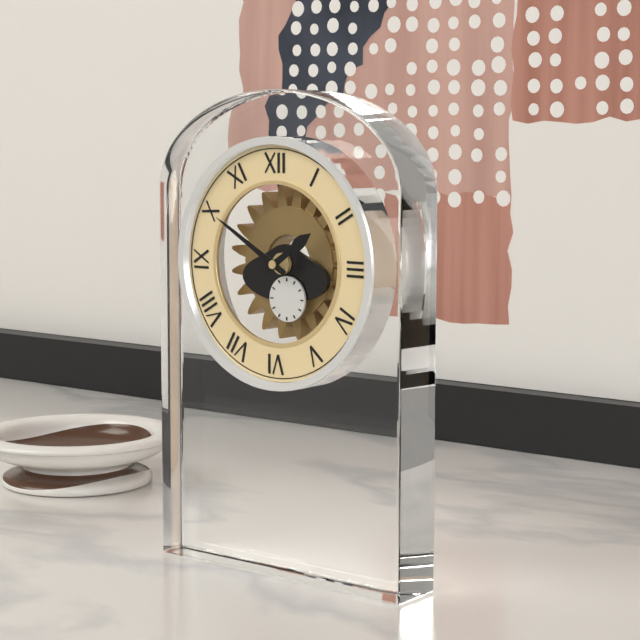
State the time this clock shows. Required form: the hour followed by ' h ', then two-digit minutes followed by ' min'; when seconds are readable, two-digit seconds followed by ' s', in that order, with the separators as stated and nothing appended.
1 h 50 min
